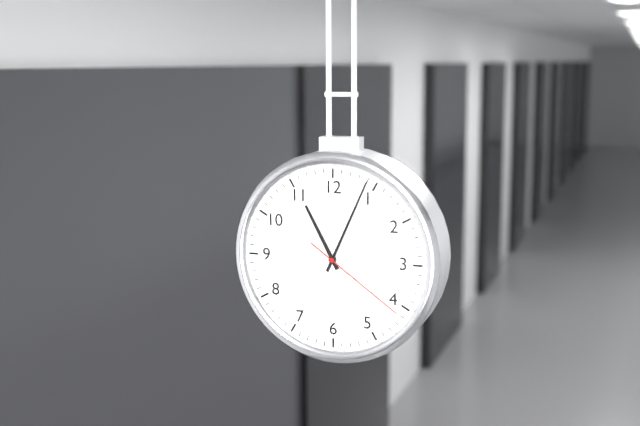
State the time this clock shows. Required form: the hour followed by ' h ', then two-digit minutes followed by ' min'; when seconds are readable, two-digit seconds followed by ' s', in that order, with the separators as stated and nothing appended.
11 h 04 min 21 s
